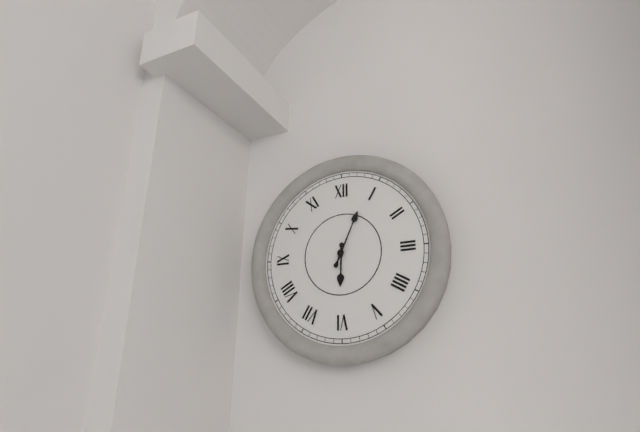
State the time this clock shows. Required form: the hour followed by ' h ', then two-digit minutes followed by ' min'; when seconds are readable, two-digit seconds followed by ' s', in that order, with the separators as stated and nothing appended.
6 h 04 min
